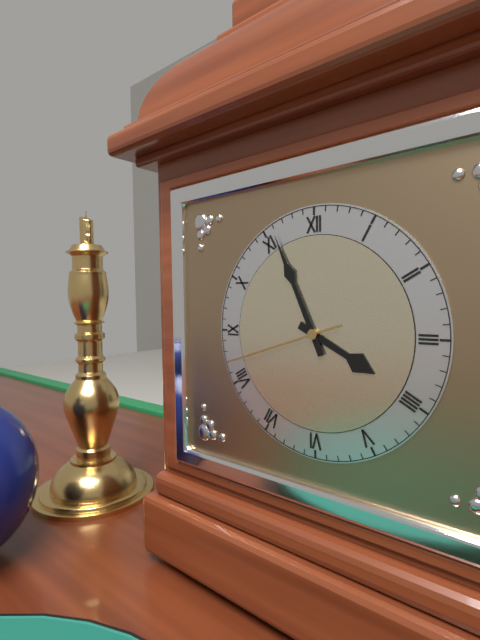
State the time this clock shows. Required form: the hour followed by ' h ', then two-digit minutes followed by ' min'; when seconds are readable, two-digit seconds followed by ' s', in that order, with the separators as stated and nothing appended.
3 h 56 min 42 s
